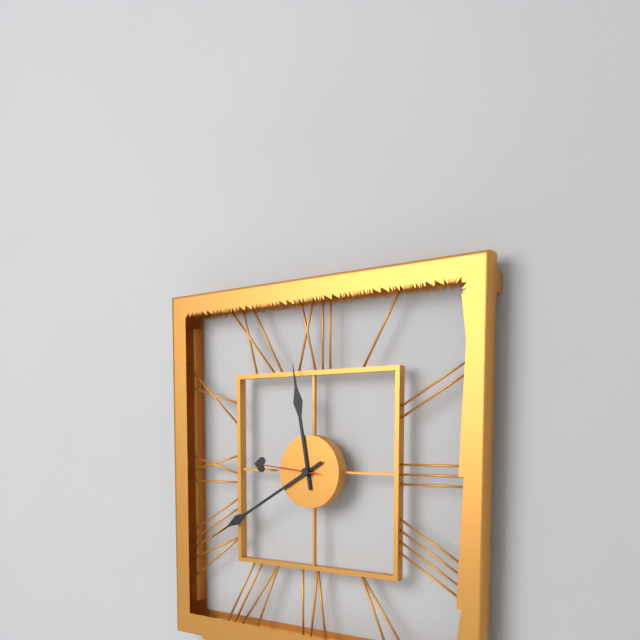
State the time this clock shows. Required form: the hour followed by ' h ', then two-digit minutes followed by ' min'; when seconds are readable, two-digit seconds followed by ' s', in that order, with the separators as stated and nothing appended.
11 h 40 min 46 s
